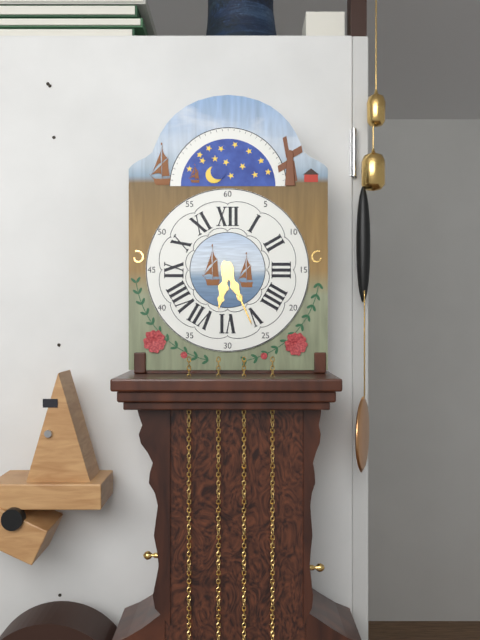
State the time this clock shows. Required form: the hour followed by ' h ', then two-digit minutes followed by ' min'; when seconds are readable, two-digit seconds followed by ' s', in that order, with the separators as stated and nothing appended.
6 h 26 min
